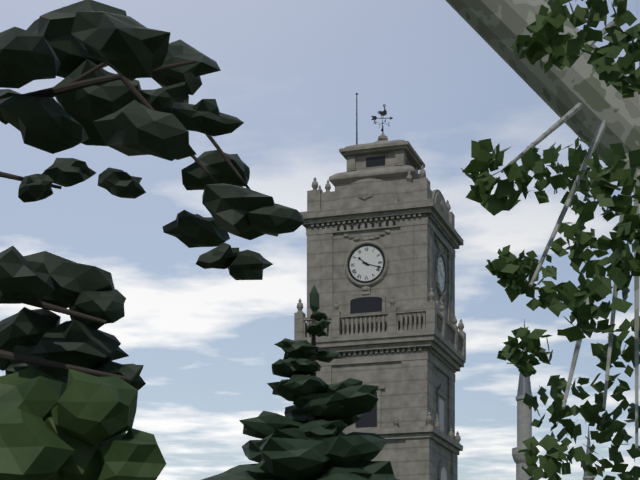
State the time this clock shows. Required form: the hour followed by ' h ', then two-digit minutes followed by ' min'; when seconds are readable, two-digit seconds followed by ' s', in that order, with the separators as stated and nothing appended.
10 h 18 min
